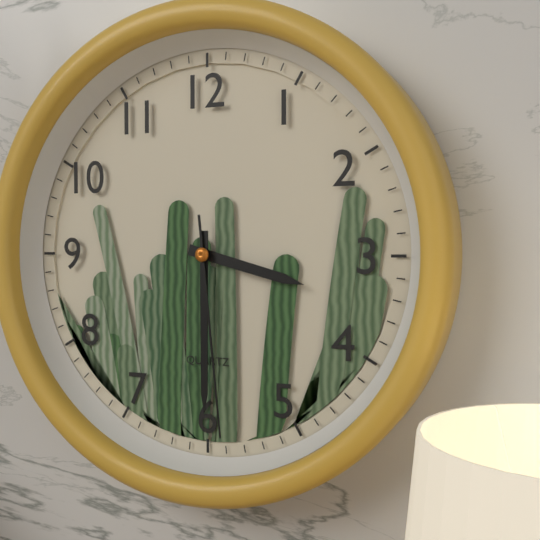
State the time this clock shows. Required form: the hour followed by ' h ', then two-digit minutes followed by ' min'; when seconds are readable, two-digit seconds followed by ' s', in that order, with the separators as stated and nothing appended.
3 h 30 min 29 s
